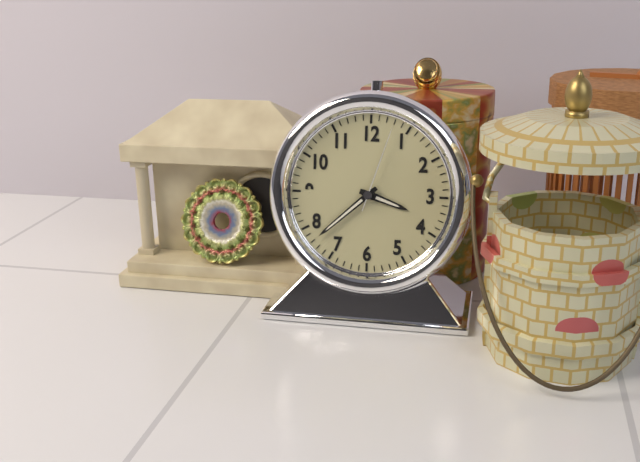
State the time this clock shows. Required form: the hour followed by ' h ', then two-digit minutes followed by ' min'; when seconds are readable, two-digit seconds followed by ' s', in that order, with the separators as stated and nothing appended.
3 h 38 min 03 s
